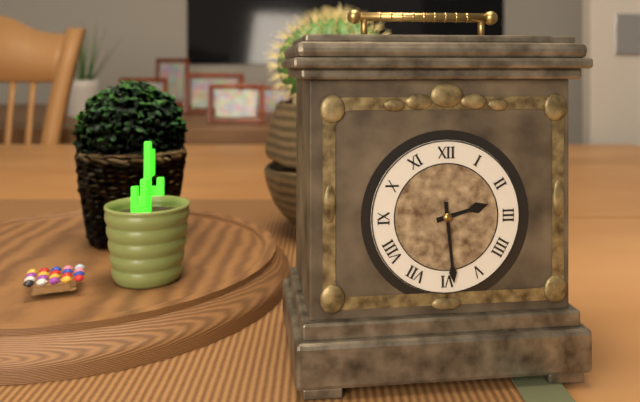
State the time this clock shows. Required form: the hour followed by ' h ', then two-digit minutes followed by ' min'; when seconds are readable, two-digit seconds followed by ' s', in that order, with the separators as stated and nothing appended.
2 h 29 min
